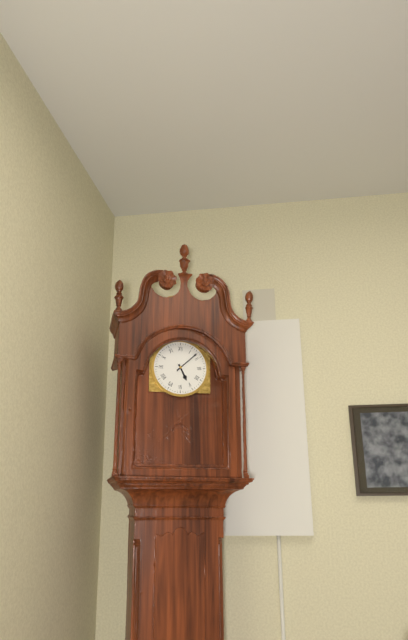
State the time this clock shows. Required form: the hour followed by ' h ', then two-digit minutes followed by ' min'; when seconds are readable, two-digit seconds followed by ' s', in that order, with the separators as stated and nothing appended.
5 h 08 min
